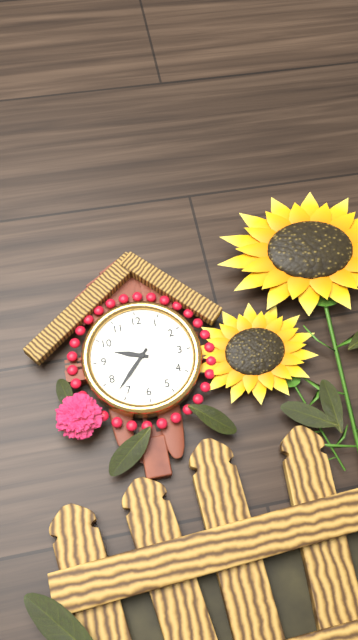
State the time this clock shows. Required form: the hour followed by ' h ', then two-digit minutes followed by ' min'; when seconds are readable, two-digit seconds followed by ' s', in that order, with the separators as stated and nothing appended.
9 h 37 min
